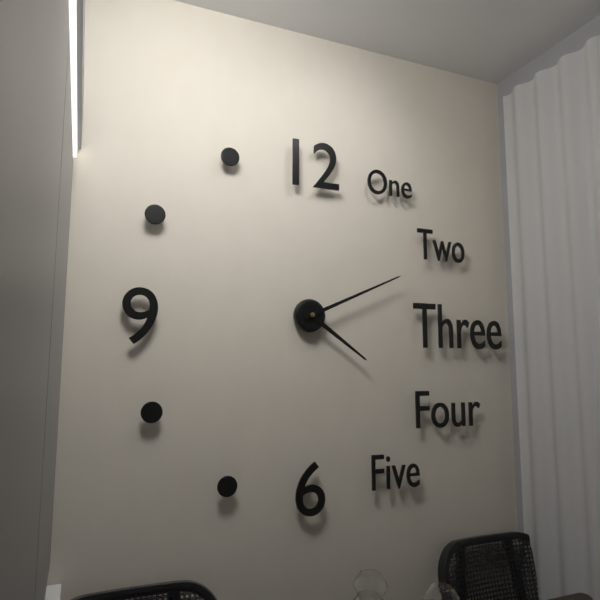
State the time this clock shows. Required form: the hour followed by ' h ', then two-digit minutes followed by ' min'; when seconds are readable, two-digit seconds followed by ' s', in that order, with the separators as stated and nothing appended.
4 h 11 min
